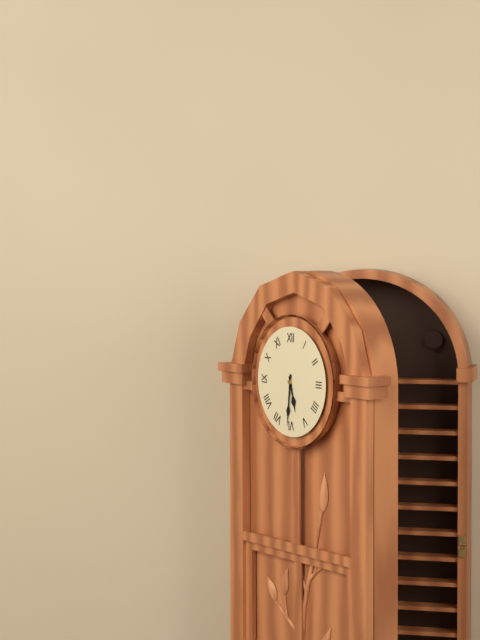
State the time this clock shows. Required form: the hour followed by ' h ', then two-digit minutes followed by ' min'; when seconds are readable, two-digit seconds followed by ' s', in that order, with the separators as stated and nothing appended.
5 h 31 min
